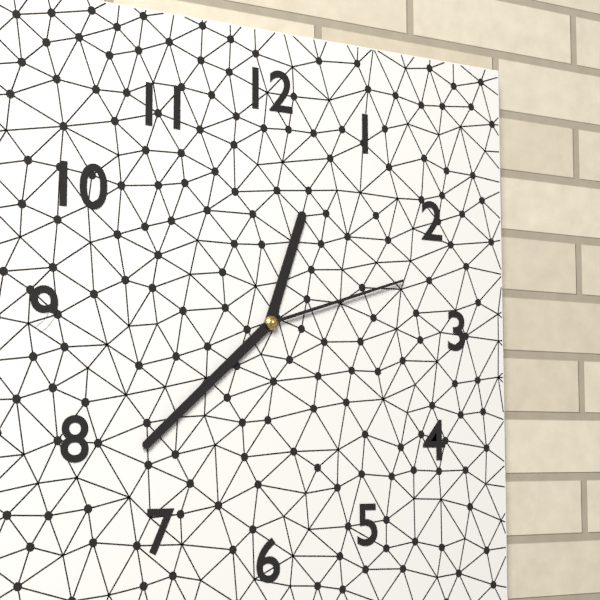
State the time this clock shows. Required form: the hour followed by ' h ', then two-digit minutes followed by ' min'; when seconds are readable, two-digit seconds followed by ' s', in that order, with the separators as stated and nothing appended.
12 h 38 min 12 s
